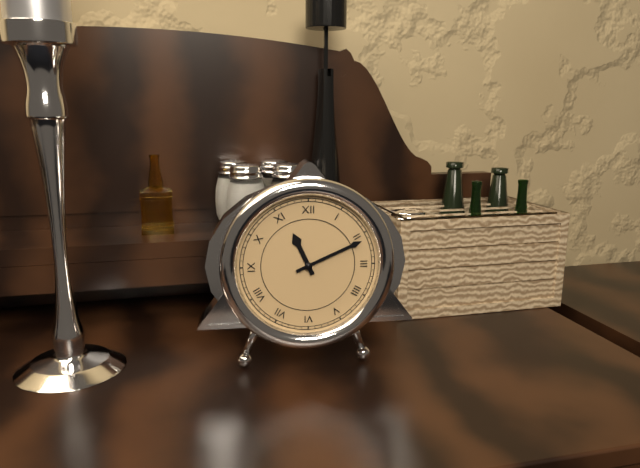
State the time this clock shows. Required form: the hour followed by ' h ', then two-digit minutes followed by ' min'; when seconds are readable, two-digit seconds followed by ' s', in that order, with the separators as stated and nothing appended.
11 h 11 min
